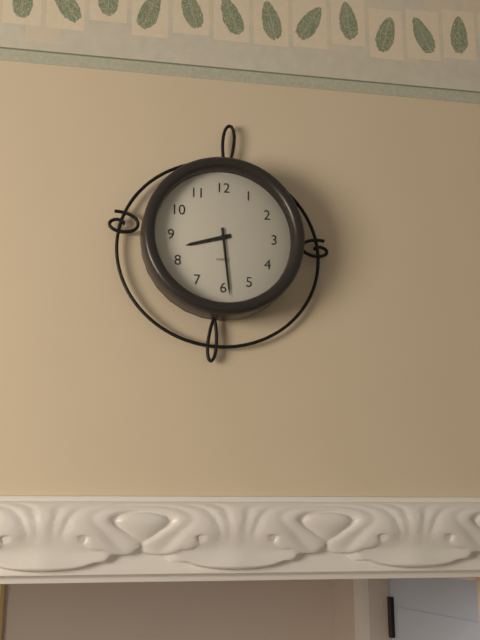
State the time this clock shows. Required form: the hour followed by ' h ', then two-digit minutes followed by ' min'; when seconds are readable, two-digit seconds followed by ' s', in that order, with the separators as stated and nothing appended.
8 h 29 min
